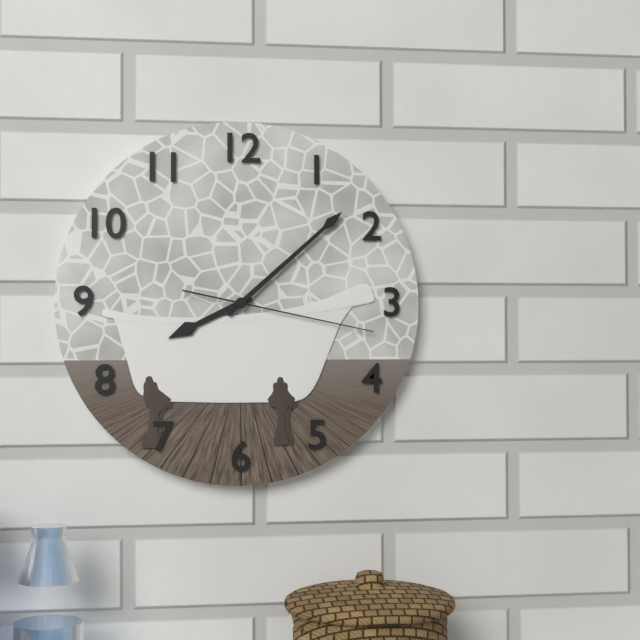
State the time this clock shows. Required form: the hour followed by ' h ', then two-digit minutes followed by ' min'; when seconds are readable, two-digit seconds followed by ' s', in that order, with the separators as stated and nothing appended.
8 h 08 min 17 s
